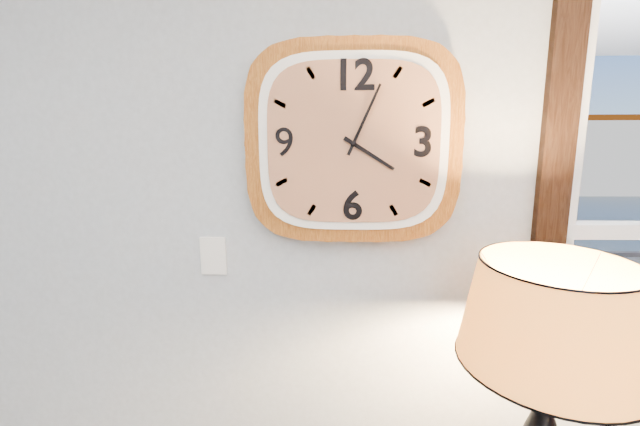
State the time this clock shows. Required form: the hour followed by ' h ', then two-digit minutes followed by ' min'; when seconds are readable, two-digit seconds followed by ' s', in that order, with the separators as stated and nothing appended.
4 h 04 min
